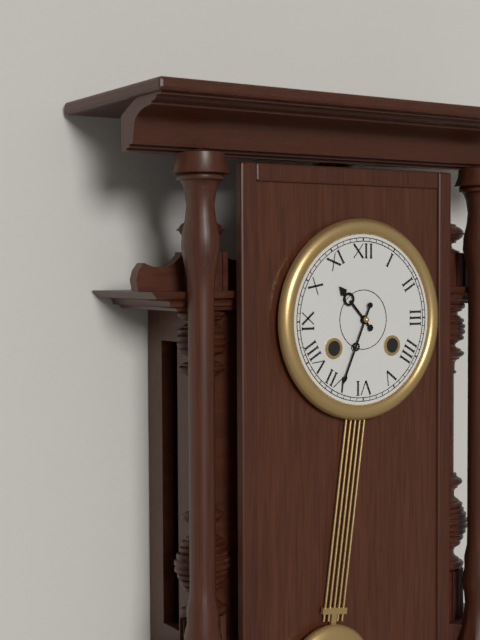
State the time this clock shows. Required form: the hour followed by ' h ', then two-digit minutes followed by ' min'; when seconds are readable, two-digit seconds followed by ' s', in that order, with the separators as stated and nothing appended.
10 h 34 min
